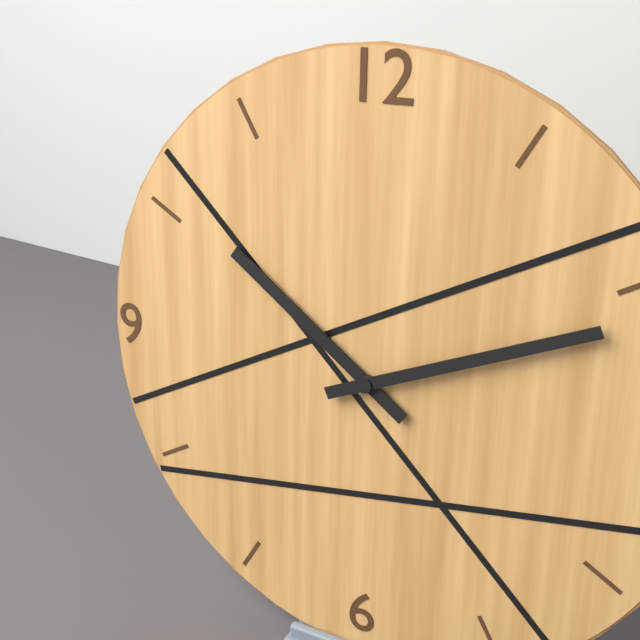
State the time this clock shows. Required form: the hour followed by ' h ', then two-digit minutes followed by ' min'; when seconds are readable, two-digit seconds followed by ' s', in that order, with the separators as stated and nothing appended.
10 h 11 min
